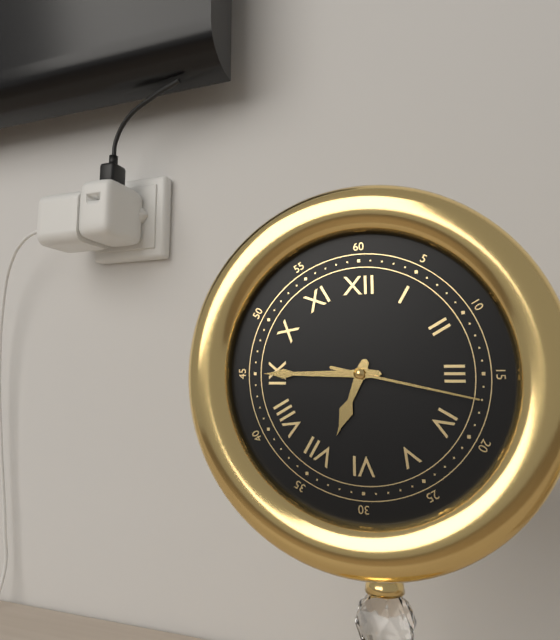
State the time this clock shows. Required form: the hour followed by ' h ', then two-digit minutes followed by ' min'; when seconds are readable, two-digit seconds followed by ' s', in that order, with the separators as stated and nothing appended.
6 h 45 min 17 s
